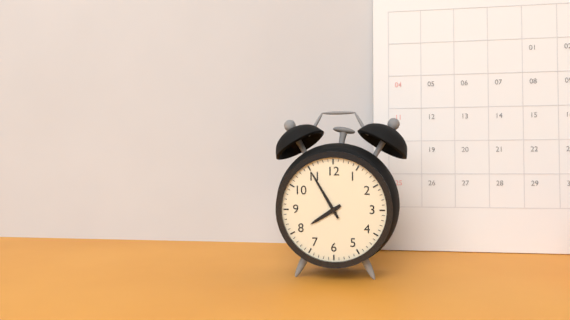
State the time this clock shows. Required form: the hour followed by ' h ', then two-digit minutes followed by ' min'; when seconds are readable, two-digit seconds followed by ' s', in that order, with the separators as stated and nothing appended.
7 h 55 min
